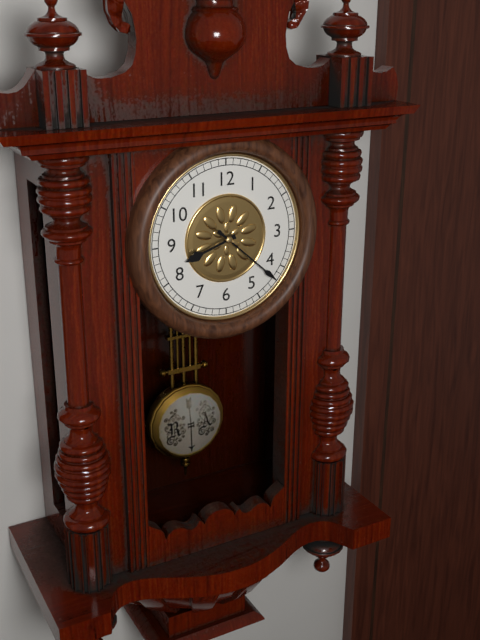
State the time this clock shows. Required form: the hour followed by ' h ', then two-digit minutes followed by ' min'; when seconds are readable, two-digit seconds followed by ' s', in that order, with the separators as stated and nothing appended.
8 h 22 min
